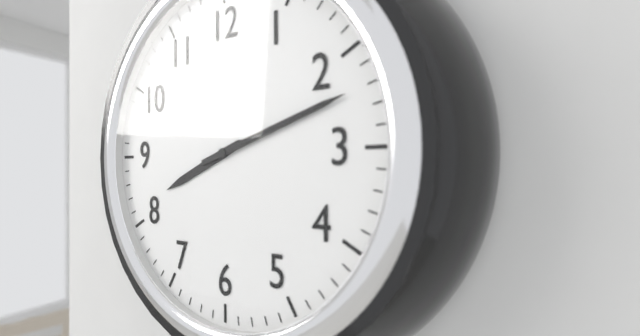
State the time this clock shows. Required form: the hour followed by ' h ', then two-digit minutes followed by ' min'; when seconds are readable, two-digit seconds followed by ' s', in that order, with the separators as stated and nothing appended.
8 h 12 min
